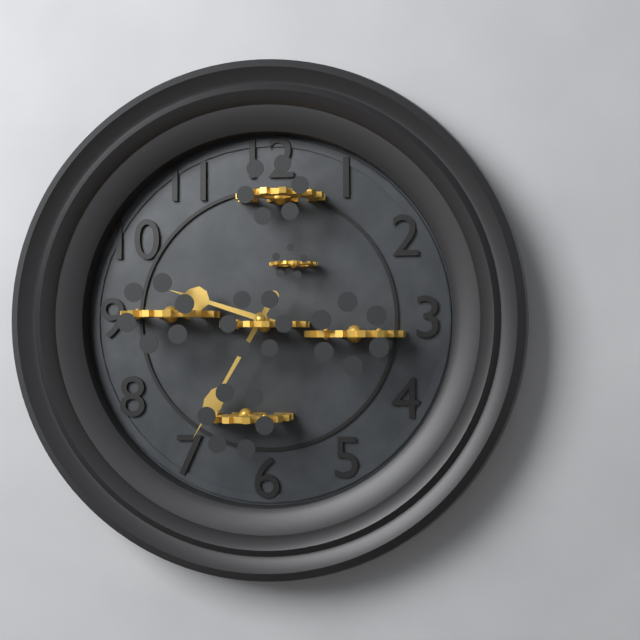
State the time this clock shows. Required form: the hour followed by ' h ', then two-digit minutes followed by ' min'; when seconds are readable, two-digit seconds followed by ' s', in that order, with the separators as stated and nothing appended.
9 h 35 min
